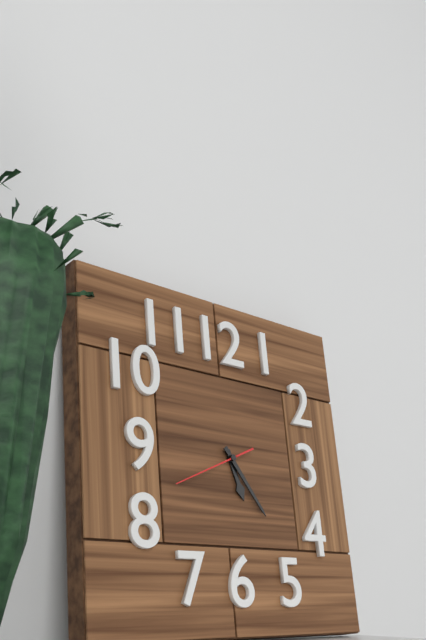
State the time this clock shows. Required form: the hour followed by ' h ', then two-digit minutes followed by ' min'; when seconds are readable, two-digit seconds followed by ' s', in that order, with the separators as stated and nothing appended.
5 h 24 min 41 s
